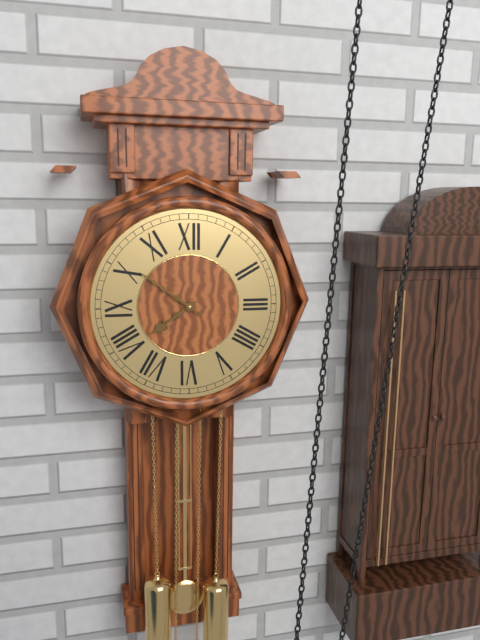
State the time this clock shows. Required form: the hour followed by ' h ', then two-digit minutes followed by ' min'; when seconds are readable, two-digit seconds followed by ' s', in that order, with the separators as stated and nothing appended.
7 h 51 min
